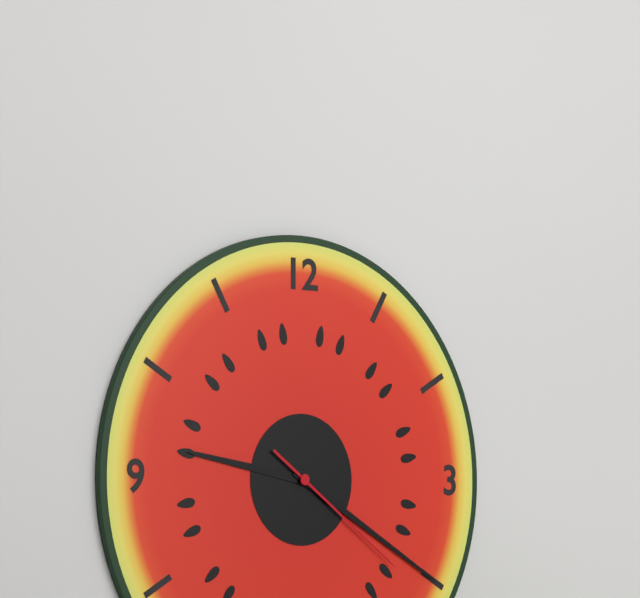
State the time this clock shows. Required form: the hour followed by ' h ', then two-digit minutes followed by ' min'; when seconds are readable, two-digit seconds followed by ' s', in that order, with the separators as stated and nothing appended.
9 h 20 min 21 s
